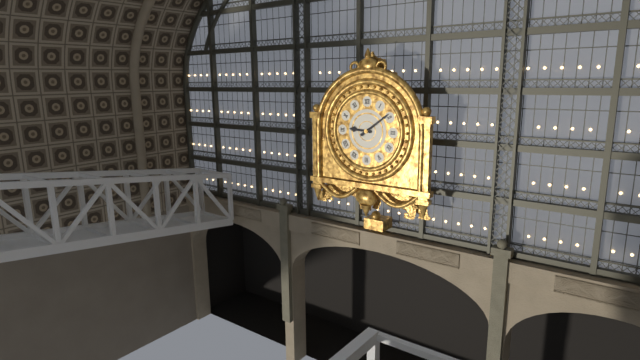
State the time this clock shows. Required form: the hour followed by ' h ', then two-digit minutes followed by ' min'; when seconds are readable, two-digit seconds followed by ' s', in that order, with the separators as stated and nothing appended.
9 h 09 min
